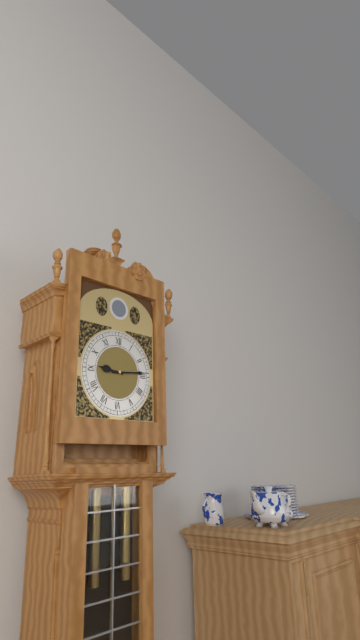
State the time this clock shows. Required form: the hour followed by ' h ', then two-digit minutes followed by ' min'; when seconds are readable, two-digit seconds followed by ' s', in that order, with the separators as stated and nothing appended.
9 h 14 min
